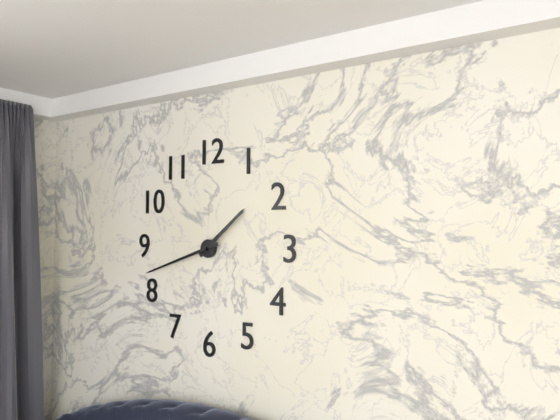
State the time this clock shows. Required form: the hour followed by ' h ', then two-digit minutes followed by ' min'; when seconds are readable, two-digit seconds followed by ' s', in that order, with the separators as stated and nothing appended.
1 h 42 min
